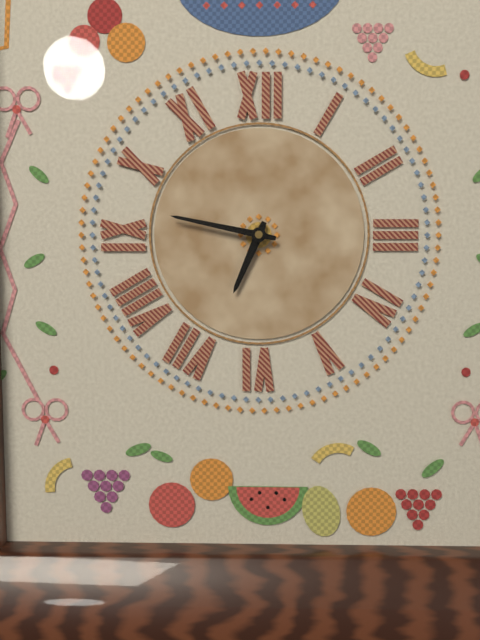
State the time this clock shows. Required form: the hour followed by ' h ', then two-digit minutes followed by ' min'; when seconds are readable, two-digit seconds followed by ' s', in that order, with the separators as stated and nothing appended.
6 h 47 min
